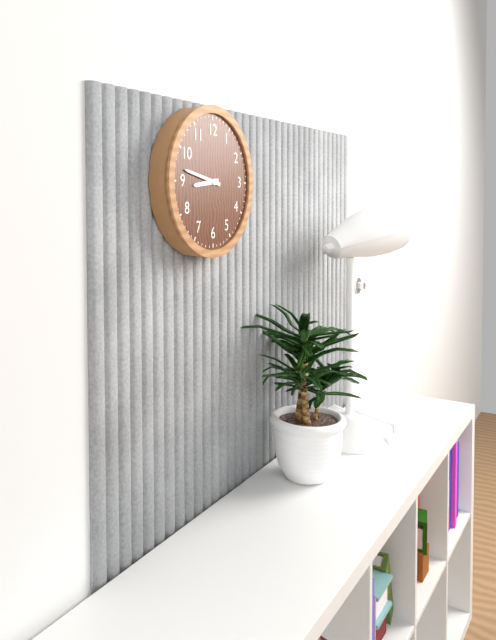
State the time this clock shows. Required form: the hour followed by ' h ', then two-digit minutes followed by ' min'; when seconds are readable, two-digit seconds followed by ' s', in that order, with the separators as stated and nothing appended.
8 h 47 min
